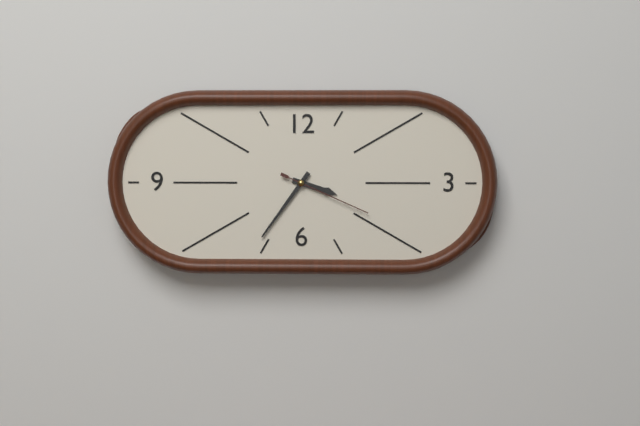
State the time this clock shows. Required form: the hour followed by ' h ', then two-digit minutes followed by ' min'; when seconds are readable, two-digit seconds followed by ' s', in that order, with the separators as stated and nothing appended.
3 h 36 min 19 s
